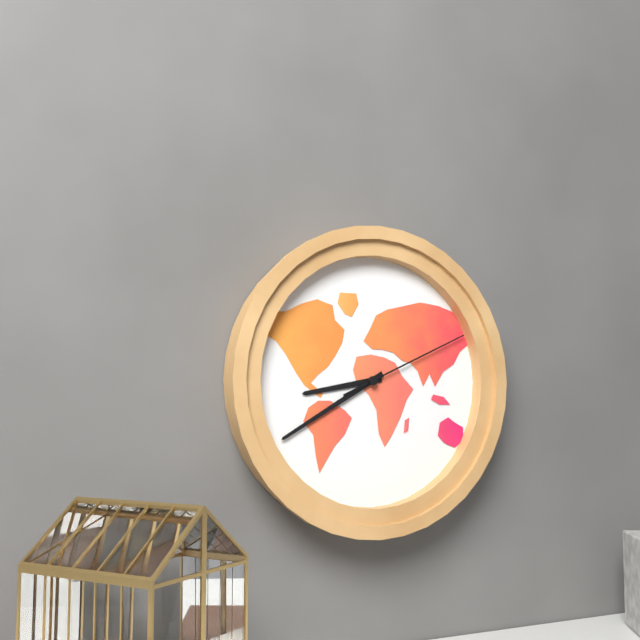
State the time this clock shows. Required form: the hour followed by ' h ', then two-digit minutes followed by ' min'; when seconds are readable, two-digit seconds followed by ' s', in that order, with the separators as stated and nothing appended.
8 h 40 min 11 s
